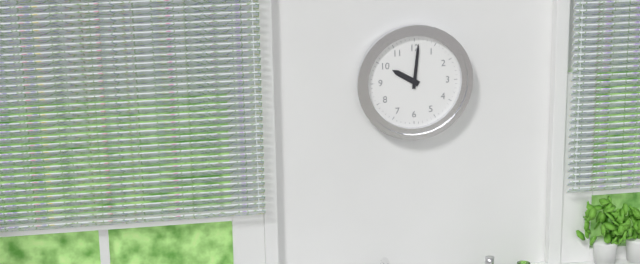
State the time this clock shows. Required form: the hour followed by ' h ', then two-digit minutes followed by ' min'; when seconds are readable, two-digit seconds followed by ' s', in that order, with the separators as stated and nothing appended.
10 h 01 min
